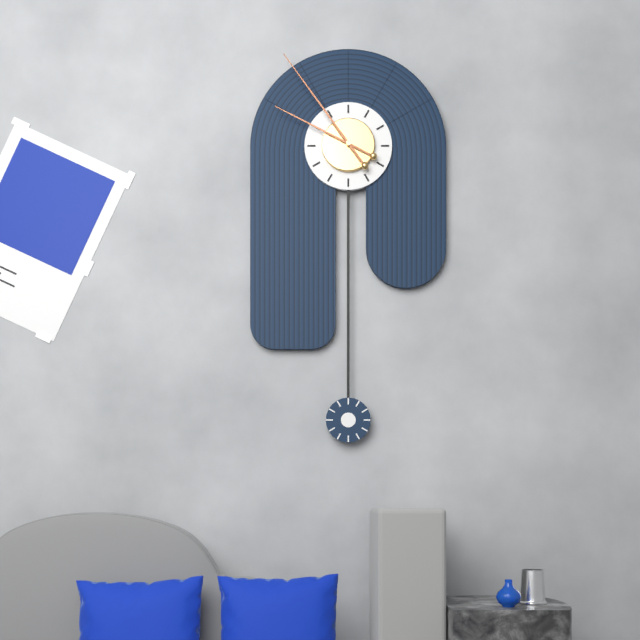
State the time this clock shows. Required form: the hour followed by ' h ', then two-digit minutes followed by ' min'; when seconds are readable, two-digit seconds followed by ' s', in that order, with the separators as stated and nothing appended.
9 h 54 min
